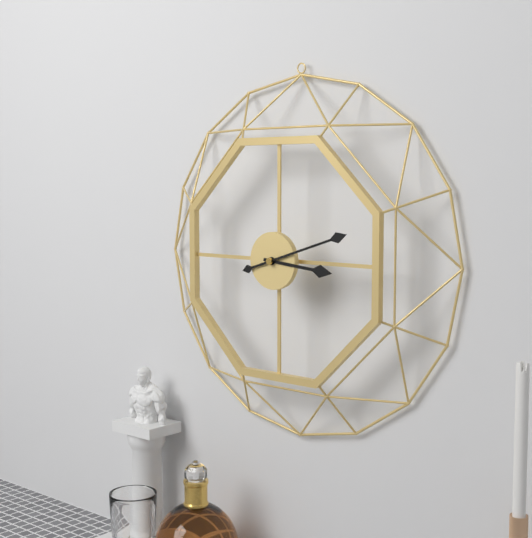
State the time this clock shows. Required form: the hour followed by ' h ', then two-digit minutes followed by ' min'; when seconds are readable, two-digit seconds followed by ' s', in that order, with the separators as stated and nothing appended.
3 h 12 min
